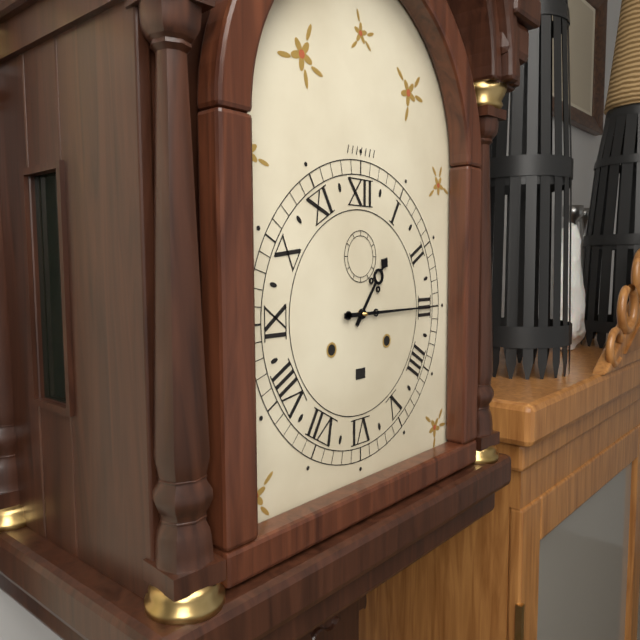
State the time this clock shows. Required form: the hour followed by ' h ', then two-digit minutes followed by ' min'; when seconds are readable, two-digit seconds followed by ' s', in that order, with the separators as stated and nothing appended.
1 h 15 min
